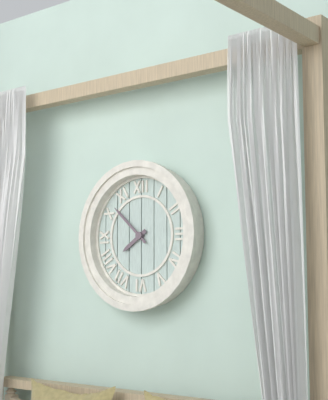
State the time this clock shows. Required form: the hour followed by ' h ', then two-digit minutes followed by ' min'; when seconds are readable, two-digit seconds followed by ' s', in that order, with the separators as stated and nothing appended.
7 h 52 min
